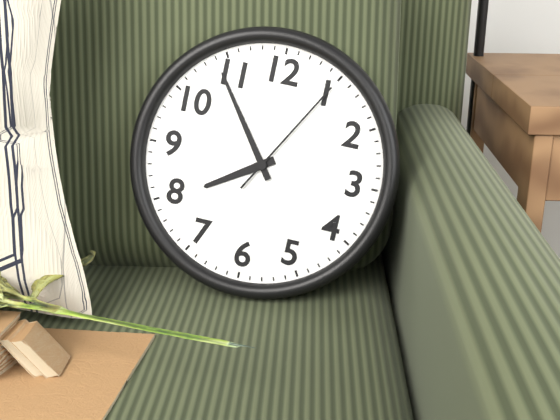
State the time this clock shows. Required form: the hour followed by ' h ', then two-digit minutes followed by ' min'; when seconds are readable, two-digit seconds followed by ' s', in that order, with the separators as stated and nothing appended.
7 h 54 min 05 s
